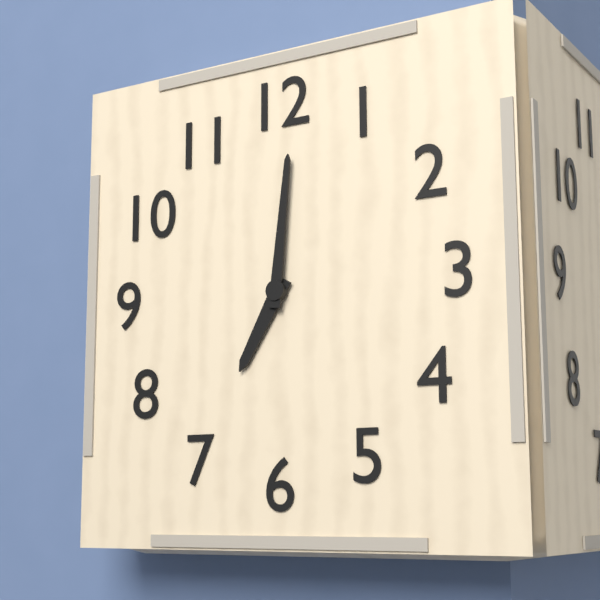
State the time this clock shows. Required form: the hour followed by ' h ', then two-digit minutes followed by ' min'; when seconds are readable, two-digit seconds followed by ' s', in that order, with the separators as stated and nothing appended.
7 h 01 min
